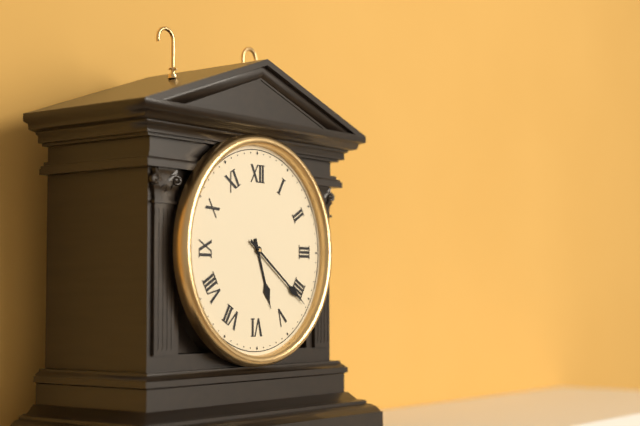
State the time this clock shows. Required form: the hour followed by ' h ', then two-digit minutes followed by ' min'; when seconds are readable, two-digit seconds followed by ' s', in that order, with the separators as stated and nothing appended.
5 h 21 min
